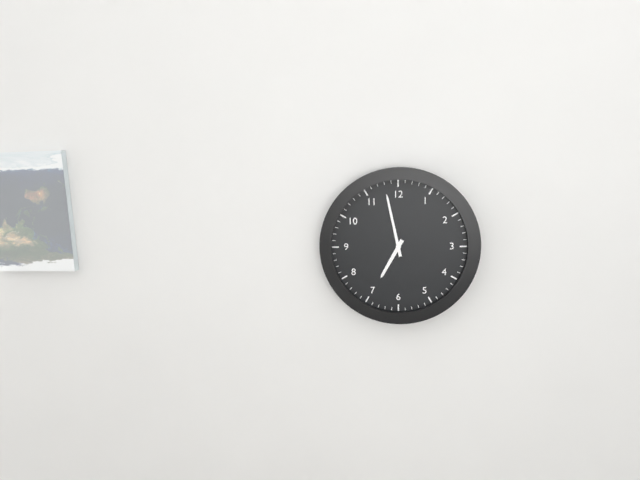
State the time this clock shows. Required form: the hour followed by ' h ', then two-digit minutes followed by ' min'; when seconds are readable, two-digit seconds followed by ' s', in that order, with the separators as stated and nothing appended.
6 h 58 min
